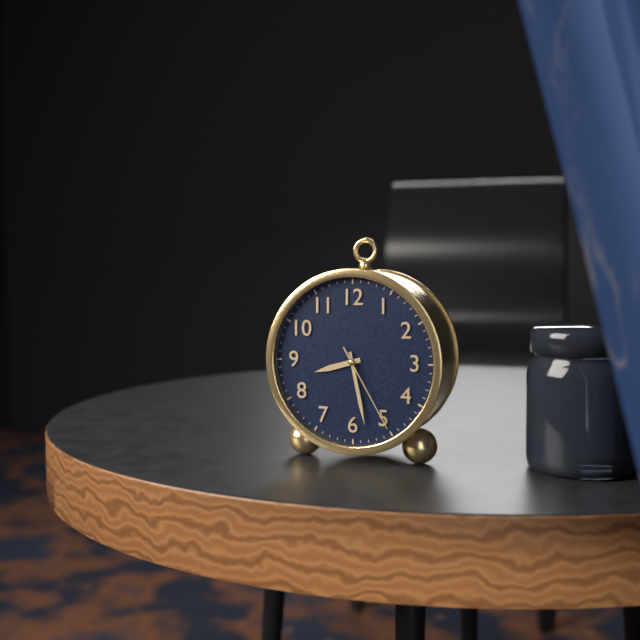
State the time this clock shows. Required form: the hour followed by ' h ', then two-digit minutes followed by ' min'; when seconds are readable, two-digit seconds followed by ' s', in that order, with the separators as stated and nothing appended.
8 h 28 min 25 s
